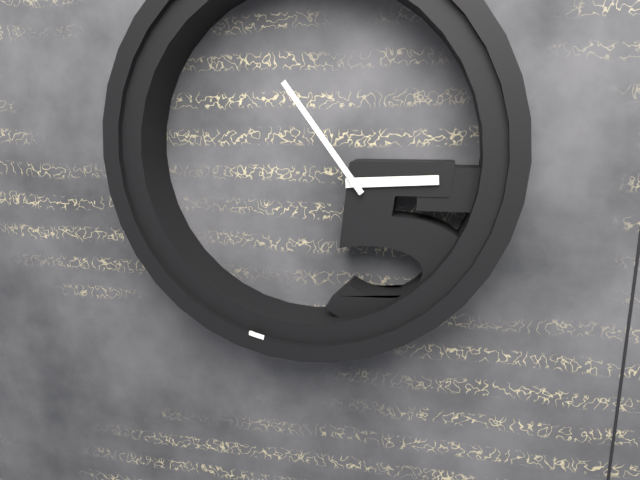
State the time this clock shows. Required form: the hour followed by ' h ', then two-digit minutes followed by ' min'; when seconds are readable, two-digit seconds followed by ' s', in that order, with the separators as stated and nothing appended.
2 h 54 min
